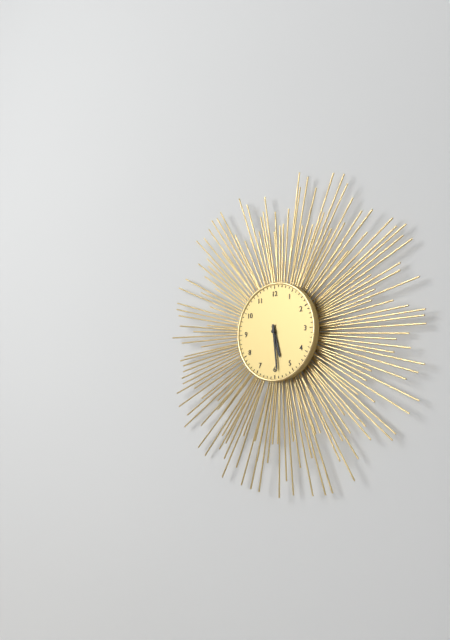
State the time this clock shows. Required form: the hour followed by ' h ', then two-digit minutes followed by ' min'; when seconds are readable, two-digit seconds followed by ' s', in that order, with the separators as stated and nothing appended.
5 h 29 min
